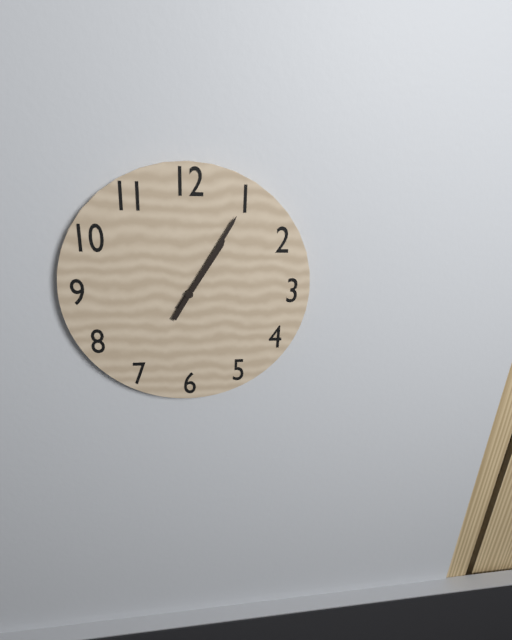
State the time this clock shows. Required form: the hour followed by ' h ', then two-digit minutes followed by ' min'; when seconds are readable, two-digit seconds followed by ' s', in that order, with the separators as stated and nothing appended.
1 h 05 min
